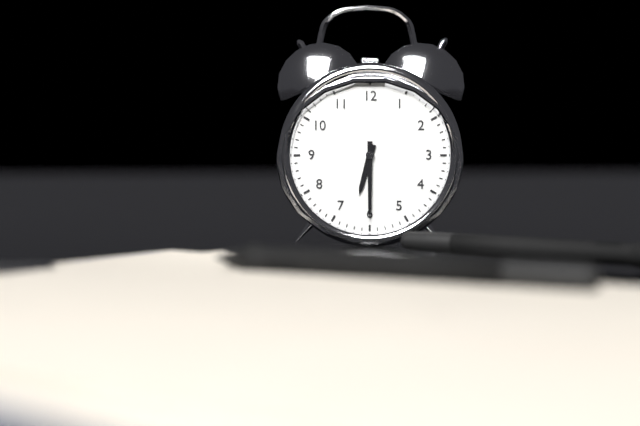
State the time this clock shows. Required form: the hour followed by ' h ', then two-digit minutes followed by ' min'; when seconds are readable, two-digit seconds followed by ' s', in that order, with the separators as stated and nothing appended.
6 h 30 min
